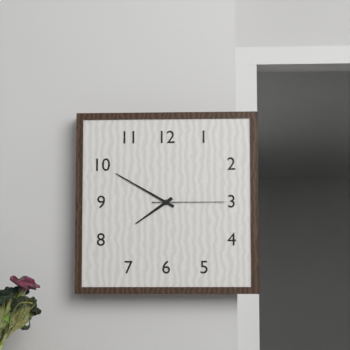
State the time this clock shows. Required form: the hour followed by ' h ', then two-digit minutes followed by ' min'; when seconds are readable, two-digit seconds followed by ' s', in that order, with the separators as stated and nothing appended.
7 h 50 min 15 s
